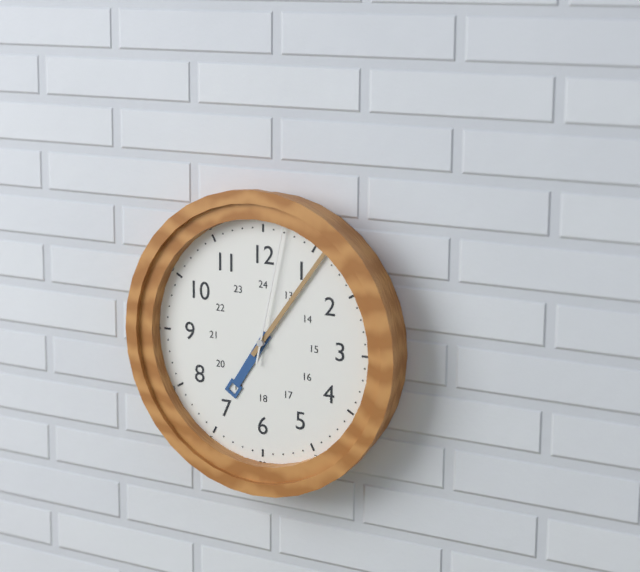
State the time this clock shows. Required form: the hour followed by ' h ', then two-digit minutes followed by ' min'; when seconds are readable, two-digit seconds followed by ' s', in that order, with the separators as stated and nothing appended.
7 h 06 min 02 s
